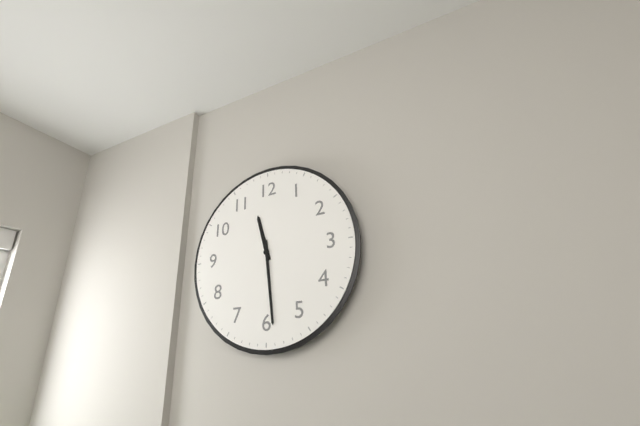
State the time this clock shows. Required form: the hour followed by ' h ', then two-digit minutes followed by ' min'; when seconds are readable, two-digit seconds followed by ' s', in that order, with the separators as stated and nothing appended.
11 h 29 min
